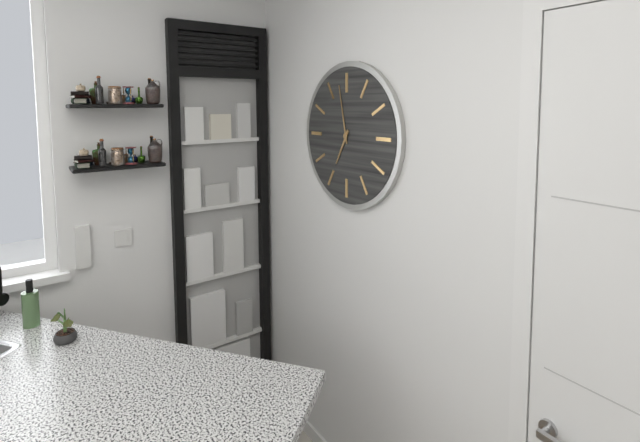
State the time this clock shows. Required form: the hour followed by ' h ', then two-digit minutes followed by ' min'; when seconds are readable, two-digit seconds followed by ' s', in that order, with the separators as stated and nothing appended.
6 h 58 min
